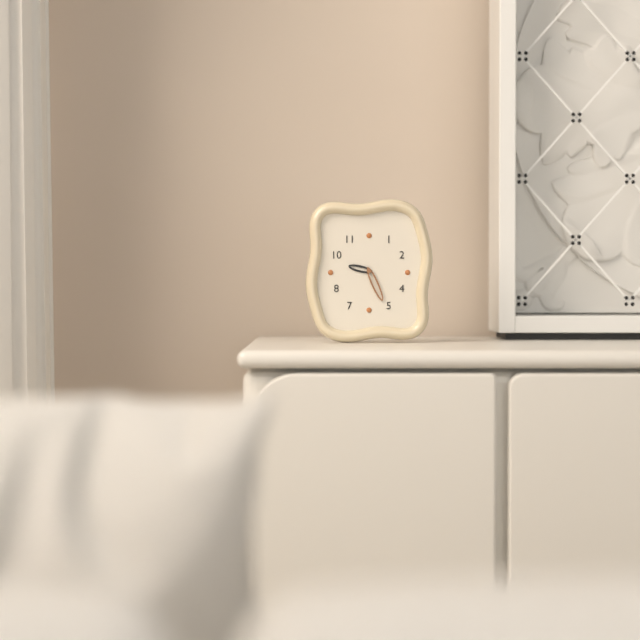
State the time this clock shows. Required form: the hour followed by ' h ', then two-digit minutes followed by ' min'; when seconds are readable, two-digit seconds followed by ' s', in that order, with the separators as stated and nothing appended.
9 h 26 min
